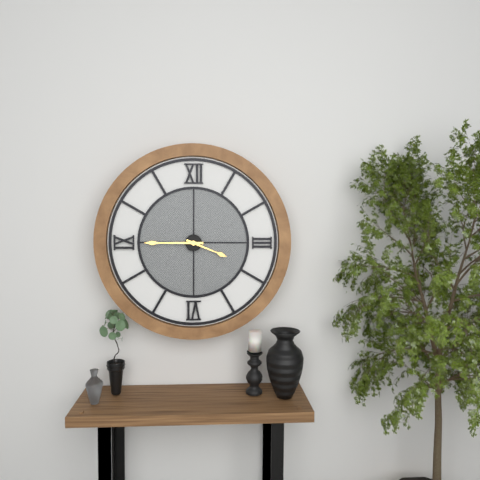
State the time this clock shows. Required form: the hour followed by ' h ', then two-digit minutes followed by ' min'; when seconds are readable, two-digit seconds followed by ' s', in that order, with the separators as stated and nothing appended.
3 h 45 min
